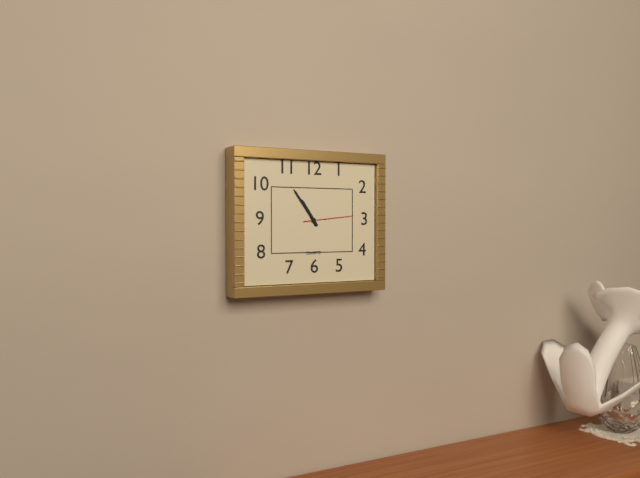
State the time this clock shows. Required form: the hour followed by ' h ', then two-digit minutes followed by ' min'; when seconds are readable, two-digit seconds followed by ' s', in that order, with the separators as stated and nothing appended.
10 h 54 min 14 s
